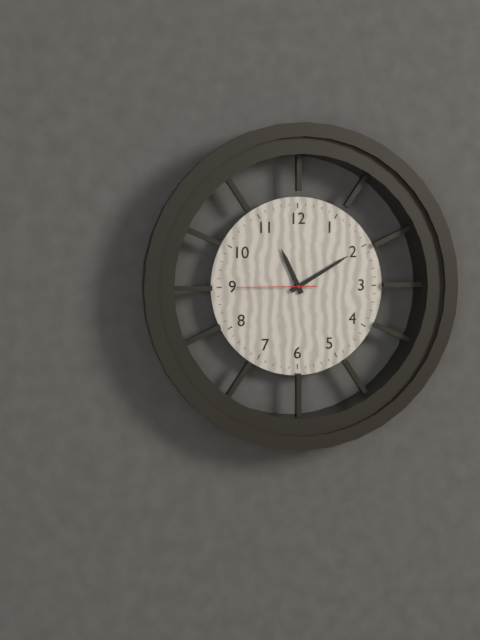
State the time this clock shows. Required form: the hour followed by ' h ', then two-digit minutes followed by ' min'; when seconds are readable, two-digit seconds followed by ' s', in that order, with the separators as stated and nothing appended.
11 h 10 min 45 s
